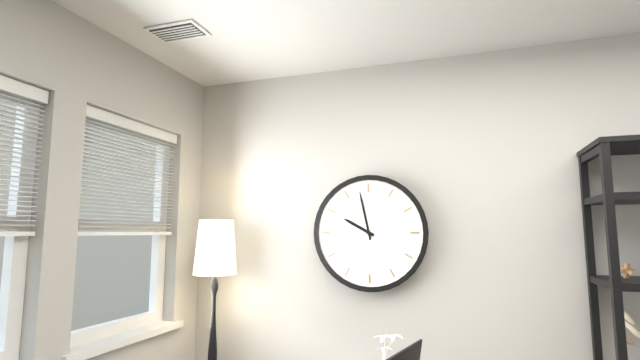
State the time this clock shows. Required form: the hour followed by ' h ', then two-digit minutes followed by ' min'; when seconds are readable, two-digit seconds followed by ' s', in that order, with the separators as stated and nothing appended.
9 h 58 min
